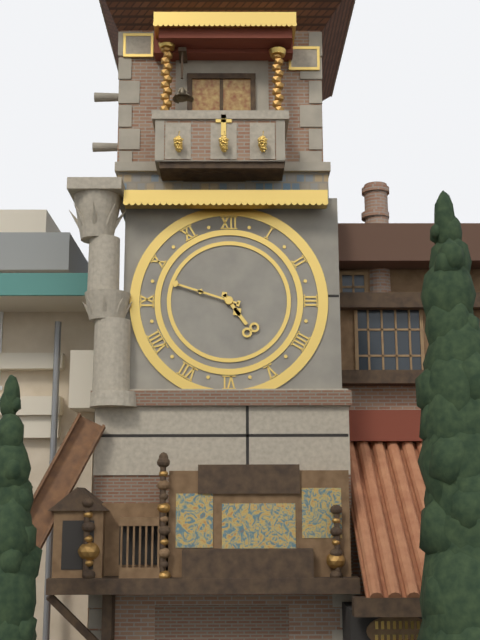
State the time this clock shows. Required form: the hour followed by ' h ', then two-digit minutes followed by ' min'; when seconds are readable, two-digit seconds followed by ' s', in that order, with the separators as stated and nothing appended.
4 h 48 min
